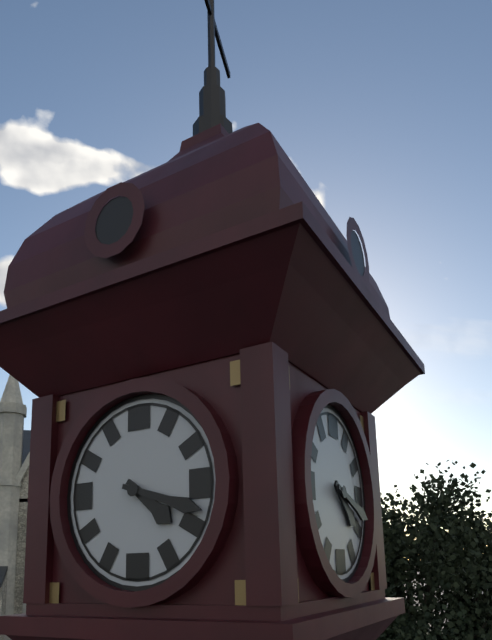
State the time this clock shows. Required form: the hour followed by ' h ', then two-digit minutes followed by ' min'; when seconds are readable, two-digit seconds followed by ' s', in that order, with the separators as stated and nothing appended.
4 h 18 min
